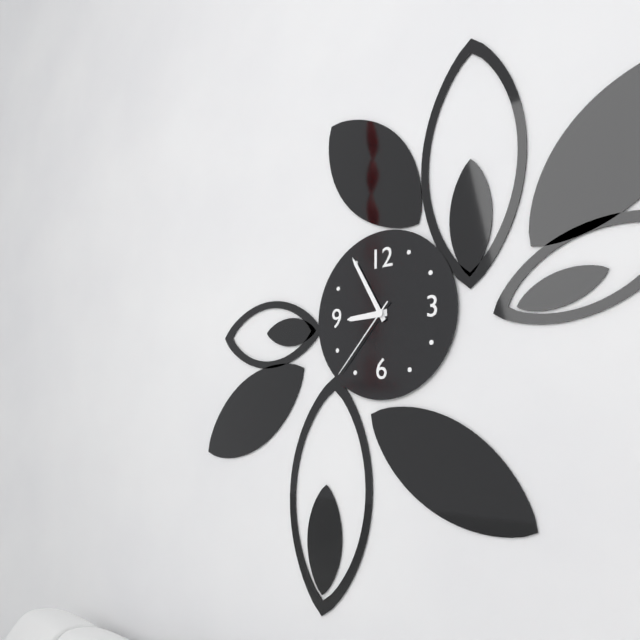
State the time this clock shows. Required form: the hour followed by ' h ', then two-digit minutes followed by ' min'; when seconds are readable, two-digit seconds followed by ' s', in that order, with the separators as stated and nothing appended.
8 h 55 min 37 s
